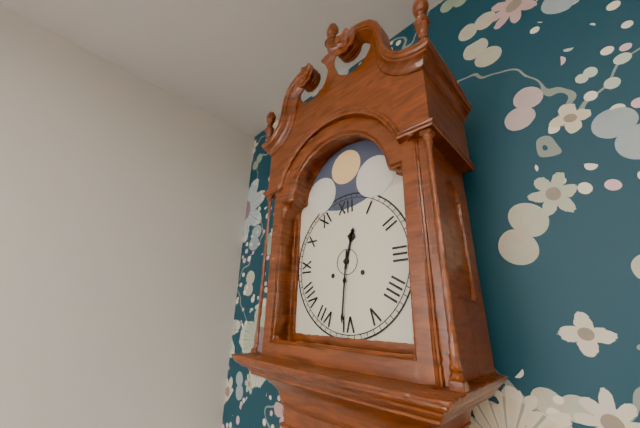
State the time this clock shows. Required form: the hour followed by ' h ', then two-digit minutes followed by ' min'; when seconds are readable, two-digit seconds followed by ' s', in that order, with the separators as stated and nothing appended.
12 h 31 min
